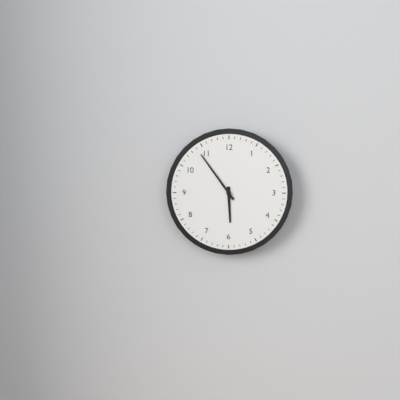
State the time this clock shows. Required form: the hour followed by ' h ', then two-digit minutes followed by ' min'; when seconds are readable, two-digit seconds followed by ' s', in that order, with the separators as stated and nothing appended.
5 h 54 min
